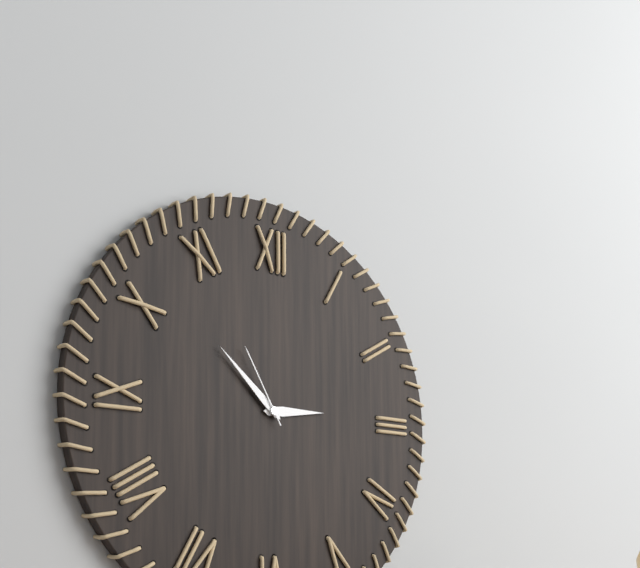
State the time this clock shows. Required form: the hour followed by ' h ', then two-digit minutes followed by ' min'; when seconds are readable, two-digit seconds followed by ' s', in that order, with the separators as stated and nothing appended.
2 h 52 min 55 s
